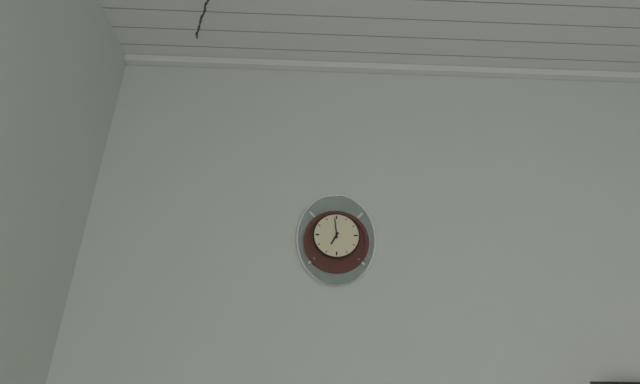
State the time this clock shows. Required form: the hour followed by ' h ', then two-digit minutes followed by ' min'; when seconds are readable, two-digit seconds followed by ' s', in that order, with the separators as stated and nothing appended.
6 h 59 min
